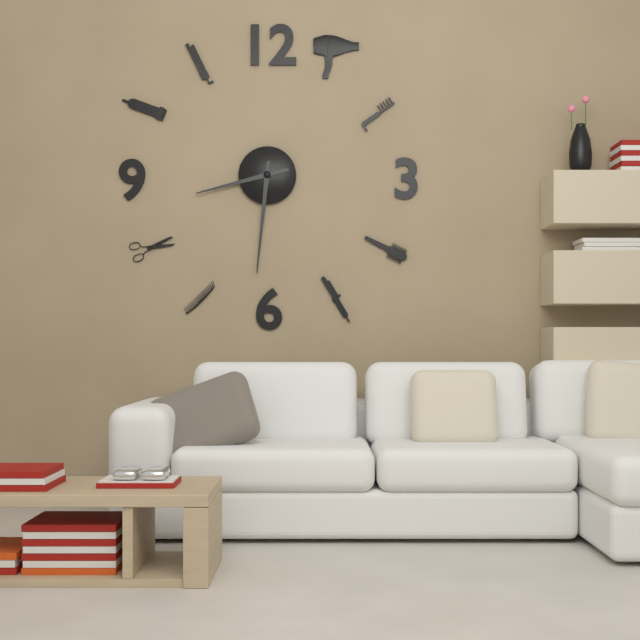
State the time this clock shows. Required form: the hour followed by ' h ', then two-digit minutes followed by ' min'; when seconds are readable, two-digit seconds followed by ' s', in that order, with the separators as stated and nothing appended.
8 h 31 min
